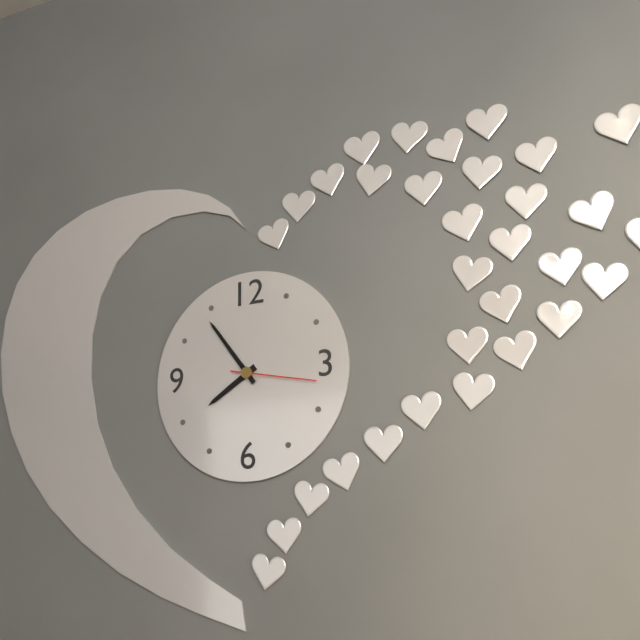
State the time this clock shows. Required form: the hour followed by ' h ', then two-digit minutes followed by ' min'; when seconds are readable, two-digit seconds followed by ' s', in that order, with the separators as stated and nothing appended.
7 h 54 min 17 s
